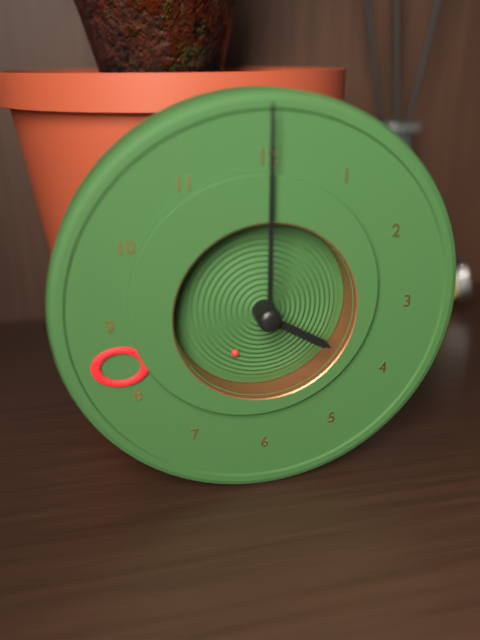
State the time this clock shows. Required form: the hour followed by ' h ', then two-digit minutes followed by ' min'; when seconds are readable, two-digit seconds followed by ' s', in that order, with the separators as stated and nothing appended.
4 h 00 min 35 s
